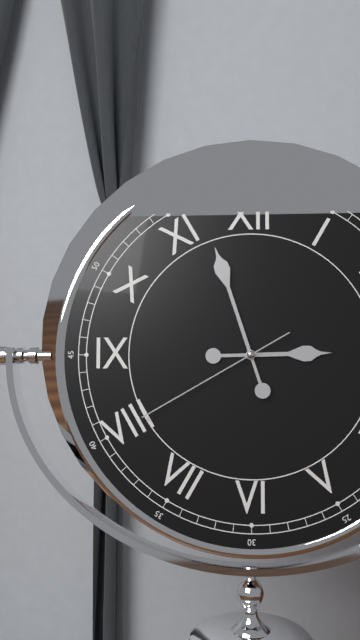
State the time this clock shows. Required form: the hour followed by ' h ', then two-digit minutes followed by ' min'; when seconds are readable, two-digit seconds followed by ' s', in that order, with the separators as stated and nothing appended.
2 h 57 min 40 s
